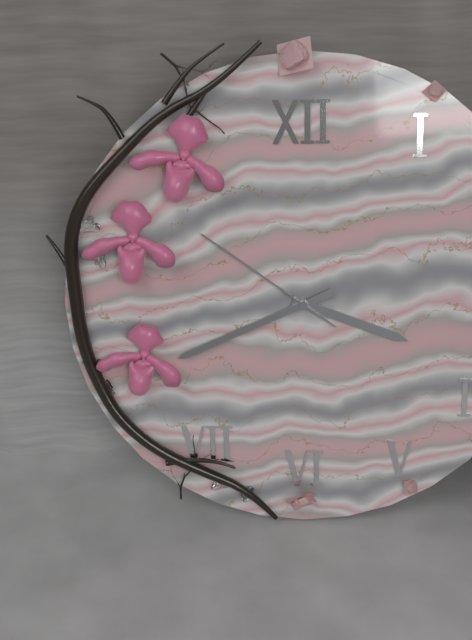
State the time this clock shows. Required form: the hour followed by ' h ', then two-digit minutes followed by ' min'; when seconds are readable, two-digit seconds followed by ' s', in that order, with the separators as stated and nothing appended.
3 h 41 min 51 s
